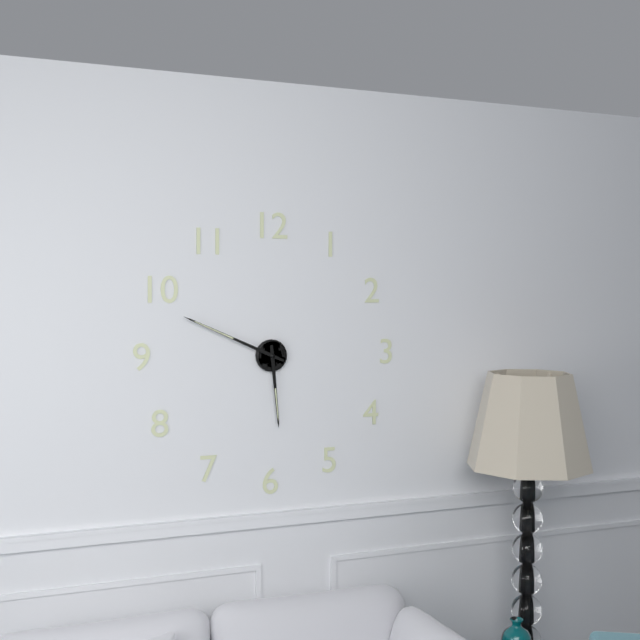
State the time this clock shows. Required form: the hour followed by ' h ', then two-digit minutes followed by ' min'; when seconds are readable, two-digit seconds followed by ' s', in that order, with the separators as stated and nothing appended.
5 h 49 min
